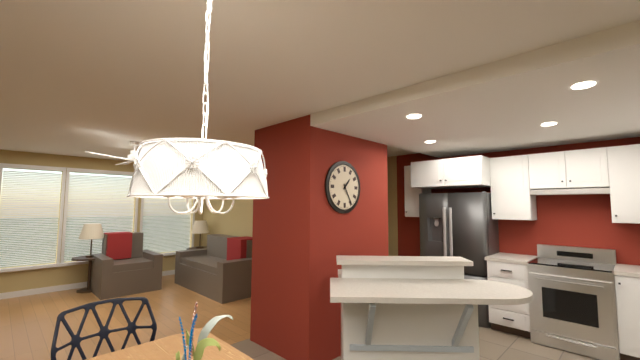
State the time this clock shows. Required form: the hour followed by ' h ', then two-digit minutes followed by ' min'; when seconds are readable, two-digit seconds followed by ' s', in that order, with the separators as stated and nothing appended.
1 h 25 min
